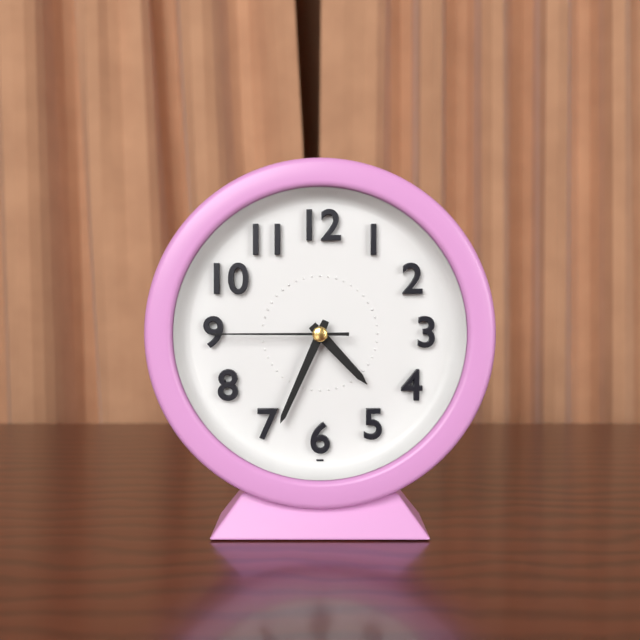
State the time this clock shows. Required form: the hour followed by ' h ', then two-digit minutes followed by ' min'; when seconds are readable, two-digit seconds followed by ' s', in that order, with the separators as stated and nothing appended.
4 h 34 min 45 s
